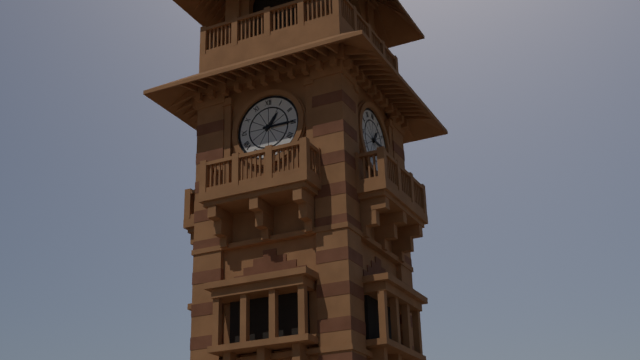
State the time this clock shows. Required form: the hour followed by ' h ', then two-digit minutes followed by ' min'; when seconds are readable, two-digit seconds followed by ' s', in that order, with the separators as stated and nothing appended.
1 h 15 min
